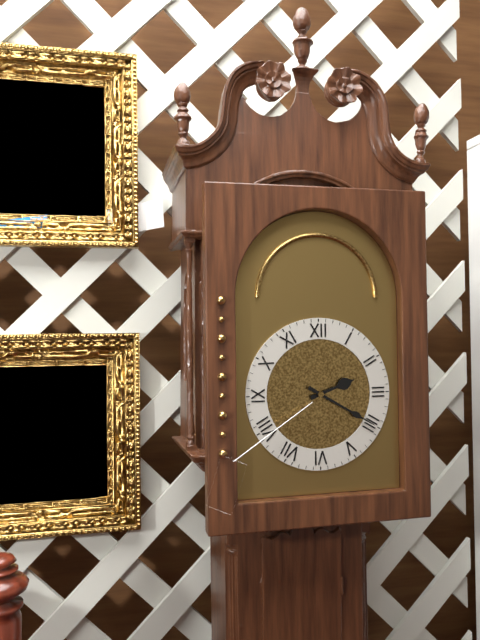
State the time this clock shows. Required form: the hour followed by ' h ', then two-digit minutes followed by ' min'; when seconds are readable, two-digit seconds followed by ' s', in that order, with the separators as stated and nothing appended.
2 h 20 min
